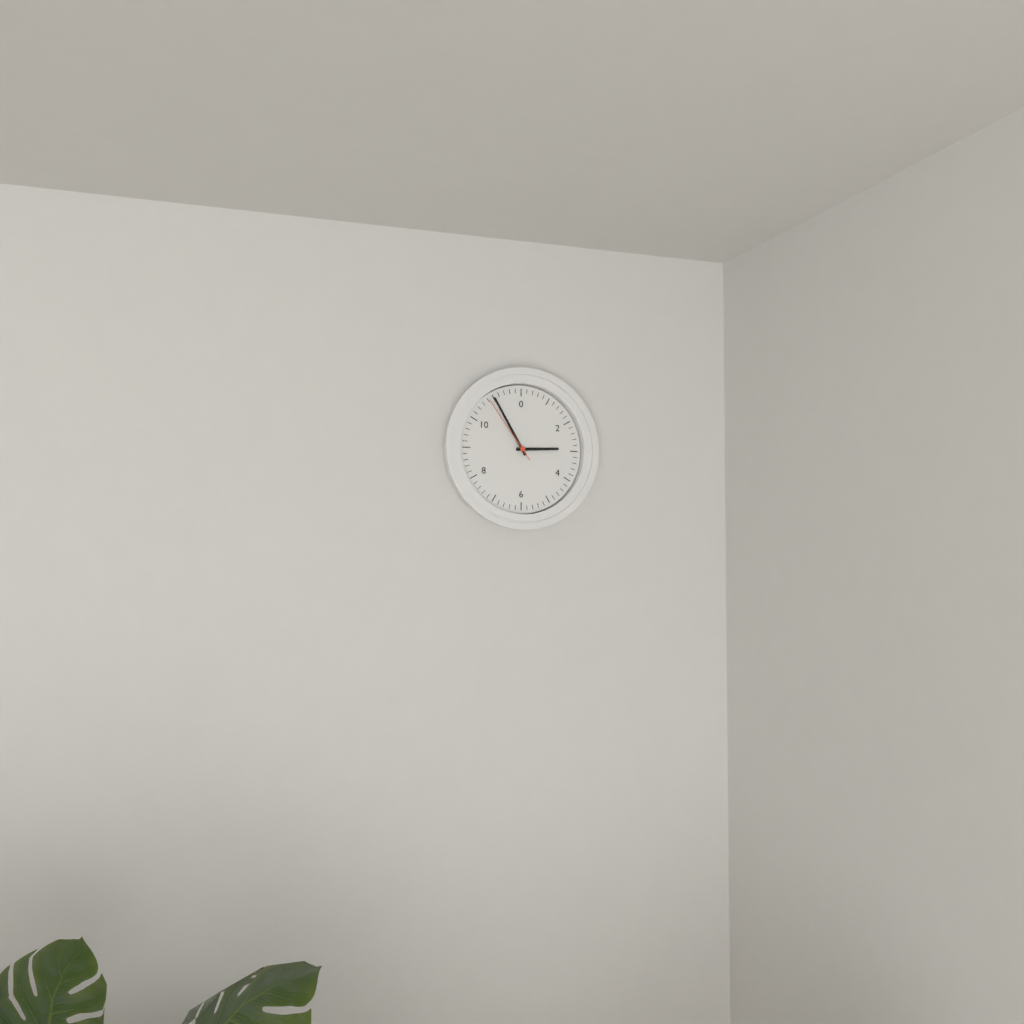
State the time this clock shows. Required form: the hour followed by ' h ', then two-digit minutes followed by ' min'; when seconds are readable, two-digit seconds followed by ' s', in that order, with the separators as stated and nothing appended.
2 h 55 min 54 s
